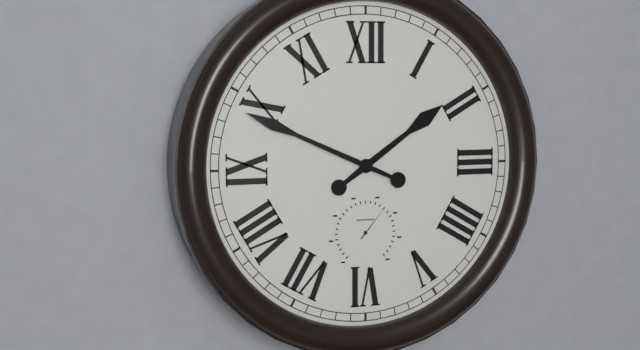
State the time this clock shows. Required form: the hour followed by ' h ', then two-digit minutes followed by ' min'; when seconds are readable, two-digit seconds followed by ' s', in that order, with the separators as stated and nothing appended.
1 h 49 min
